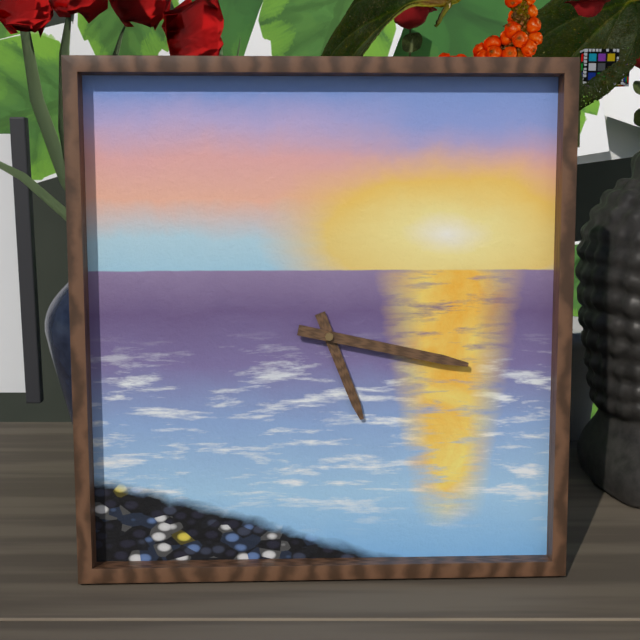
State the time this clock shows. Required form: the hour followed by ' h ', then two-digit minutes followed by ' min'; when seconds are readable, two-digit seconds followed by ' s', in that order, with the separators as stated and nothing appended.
5 h 17 min
